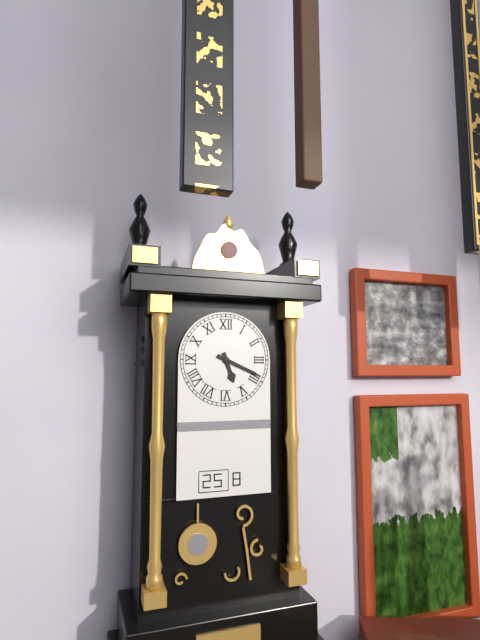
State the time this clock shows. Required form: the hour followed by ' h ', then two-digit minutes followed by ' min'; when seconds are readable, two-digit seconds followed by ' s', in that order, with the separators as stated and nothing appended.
5 h 19 min
